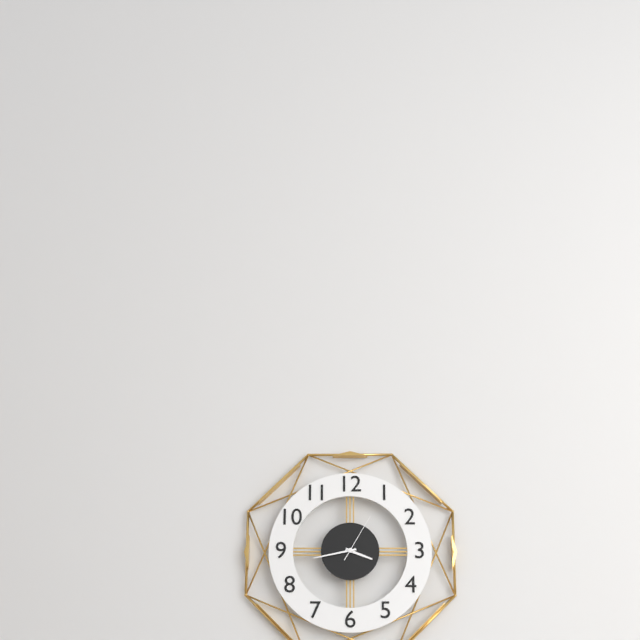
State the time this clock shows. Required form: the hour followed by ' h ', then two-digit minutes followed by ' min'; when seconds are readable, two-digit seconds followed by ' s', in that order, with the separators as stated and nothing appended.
3 h 43 min 05 s
